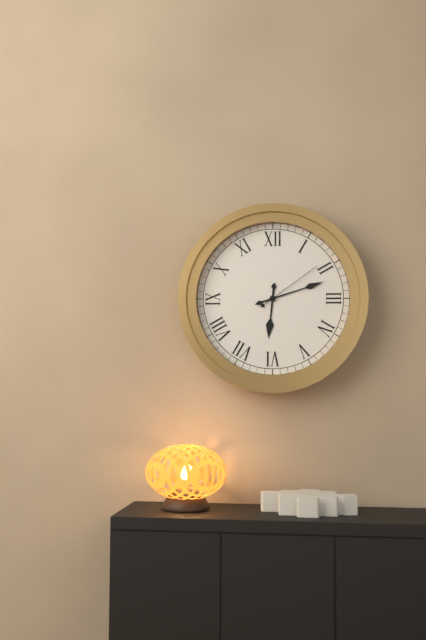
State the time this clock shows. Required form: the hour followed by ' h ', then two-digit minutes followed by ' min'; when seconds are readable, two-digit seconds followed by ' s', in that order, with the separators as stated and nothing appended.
6 h 12 min 09 s
